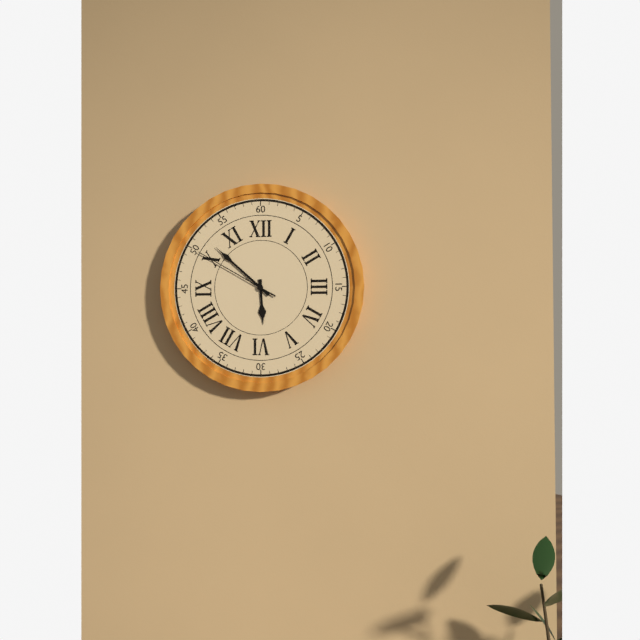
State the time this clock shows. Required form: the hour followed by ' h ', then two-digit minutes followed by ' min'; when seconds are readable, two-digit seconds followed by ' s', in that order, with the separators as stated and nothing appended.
5 h 52 min 50 s
